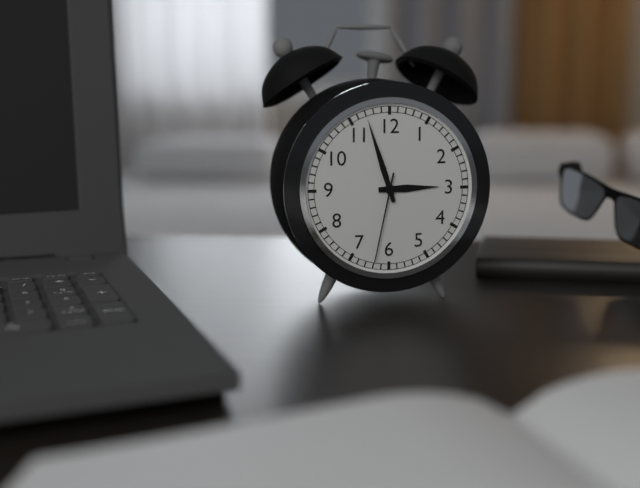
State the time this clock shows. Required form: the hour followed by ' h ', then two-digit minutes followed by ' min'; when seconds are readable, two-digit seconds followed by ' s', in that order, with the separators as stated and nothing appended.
2 h 57 min 32 s
